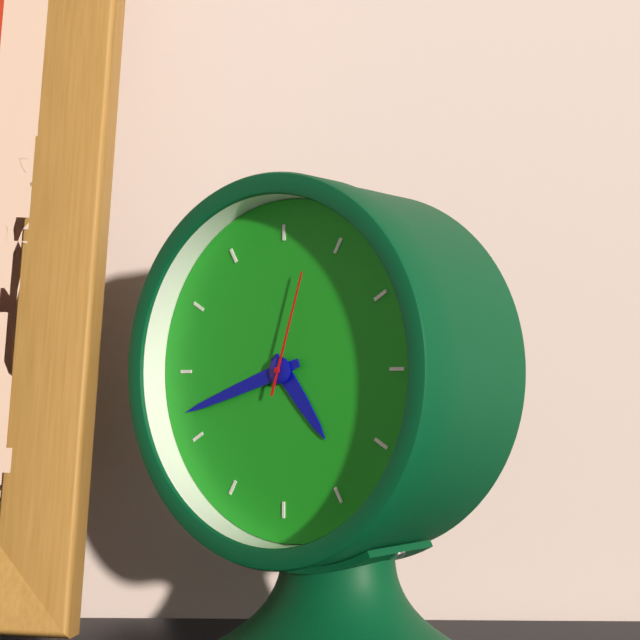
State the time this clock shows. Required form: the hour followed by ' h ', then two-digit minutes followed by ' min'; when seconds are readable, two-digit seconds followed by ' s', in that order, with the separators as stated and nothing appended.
4 h 42 min 03 s
